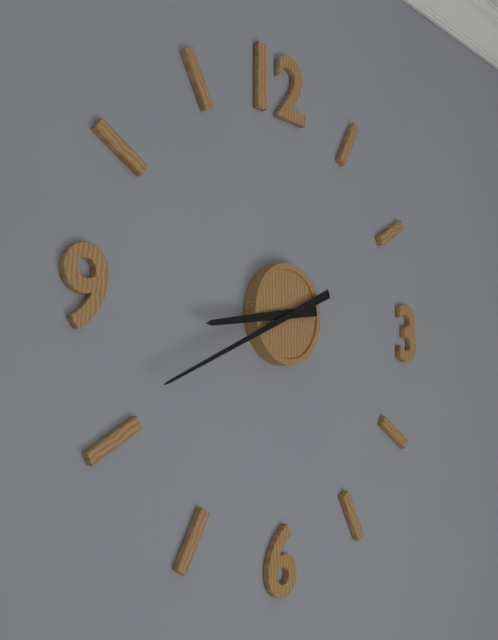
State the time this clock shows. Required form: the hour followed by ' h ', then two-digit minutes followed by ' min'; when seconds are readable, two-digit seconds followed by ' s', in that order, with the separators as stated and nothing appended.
8 h 41 min
